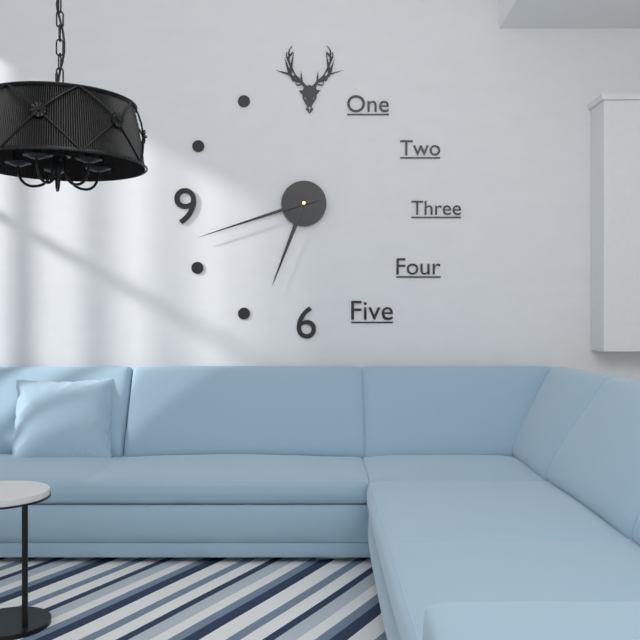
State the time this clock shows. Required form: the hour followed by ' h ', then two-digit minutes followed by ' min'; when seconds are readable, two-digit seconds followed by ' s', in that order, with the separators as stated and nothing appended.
6 h 42 min
